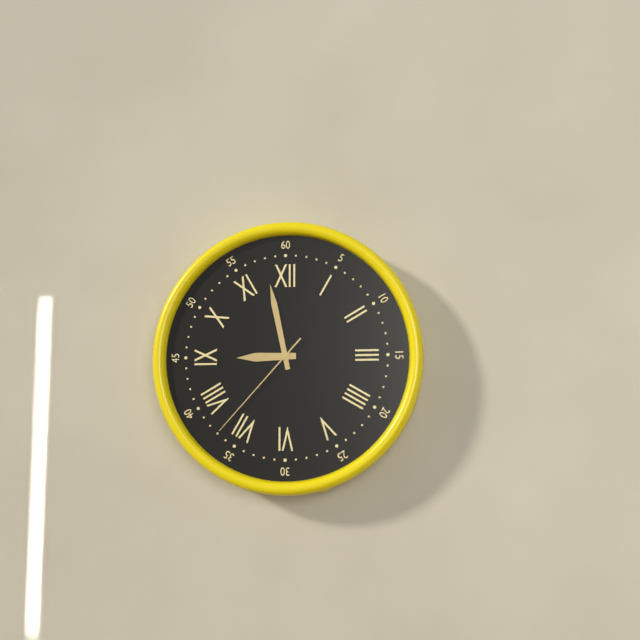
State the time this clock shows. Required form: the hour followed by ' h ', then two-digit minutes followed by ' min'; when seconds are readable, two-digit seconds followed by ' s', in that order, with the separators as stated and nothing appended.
8 h 58 min 37 s
